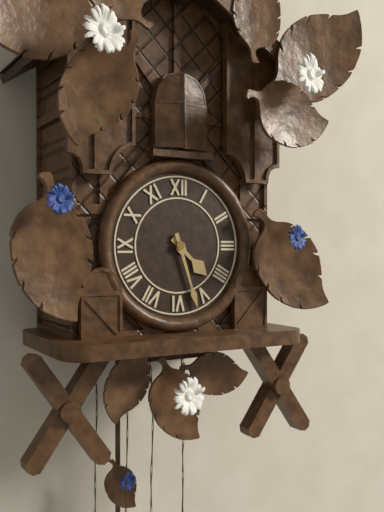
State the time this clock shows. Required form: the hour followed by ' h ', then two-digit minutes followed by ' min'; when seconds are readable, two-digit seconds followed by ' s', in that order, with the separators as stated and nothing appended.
4 h 27 min
